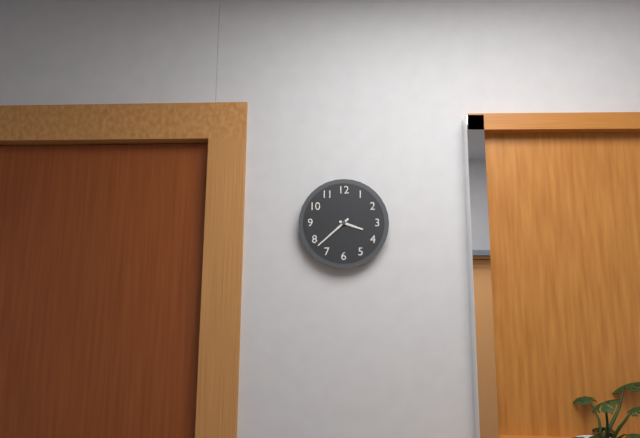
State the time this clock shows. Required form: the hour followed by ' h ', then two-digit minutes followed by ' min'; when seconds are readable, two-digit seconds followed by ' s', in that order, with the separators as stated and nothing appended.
3 h 38 min
